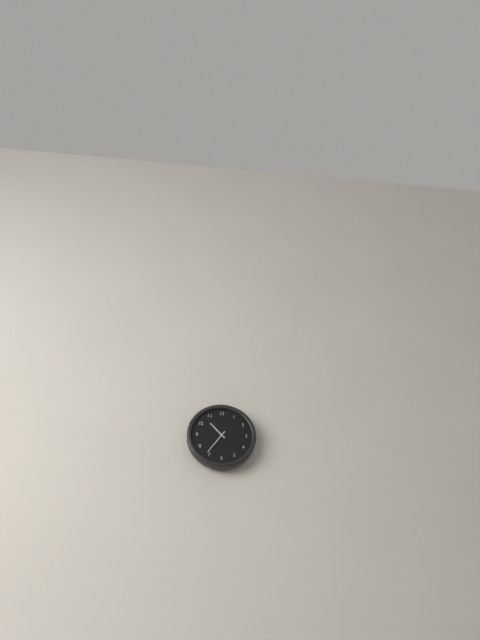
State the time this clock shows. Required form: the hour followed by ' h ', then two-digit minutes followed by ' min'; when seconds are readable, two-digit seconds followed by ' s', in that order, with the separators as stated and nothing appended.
10 h 36 min
